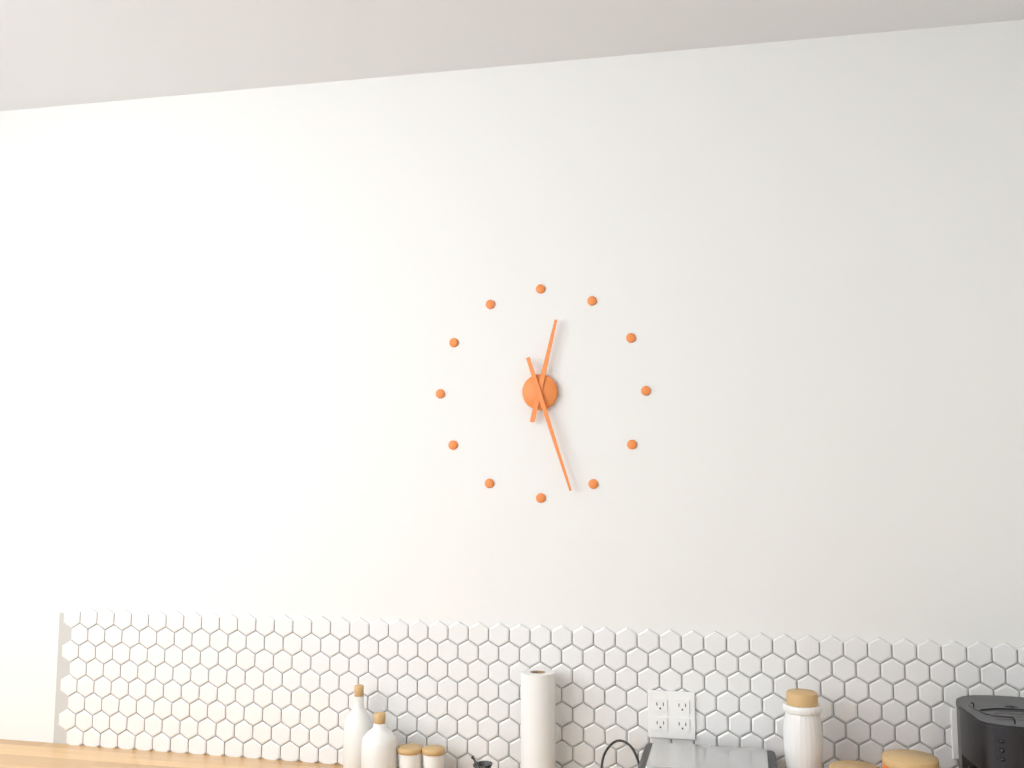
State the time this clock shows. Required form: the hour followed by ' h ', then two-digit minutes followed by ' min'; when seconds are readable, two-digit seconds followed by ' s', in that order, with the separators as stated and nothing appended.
12 h 27 min
